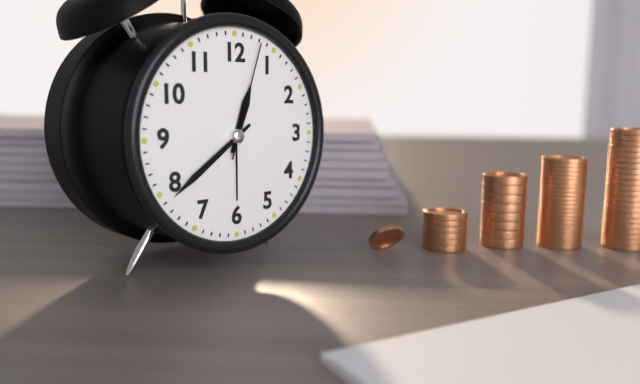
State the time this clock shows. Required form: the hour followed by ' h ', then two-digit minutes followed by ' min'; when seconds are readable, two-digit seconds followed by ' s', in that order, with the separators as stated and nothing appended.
12 h 39 min 03 s
